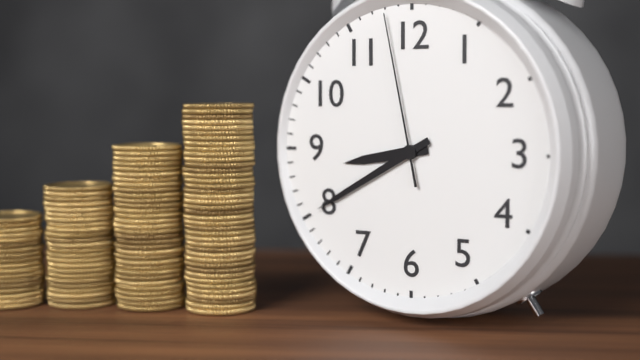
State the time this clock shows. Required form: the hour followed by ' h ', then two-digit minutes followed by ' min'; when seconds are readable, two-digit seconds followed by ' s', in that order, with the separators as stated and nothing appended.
8 h 40 min 58 s
